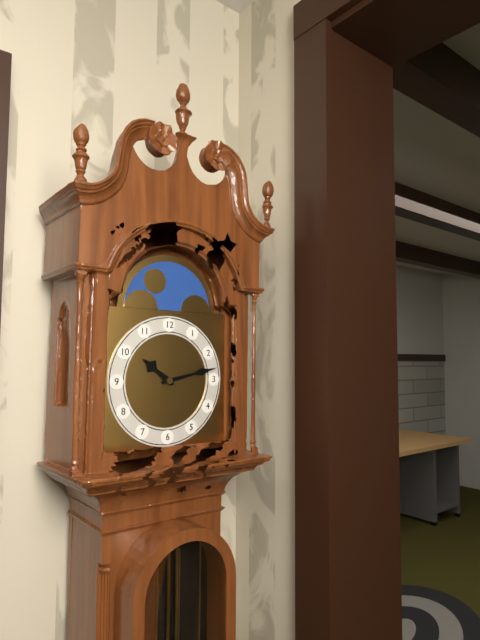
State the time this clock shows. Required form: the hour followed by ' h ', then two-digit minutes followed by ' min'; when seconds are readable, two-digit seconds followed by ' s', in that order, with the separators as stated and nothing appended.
10 h 13 min
